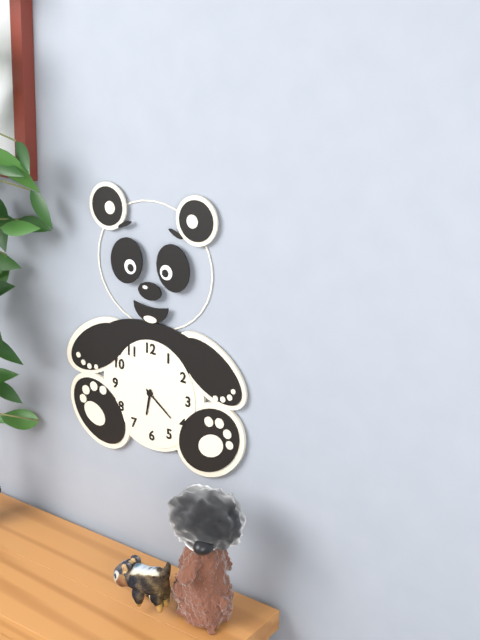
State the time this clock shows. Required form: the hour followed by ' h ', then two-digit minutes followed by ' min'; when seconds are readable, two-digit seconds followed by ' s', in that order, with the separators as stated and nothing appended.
6 h 21 min
